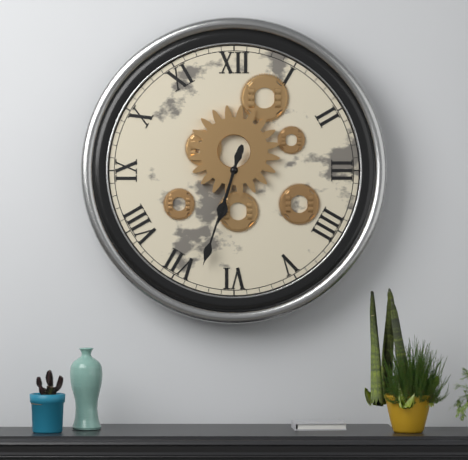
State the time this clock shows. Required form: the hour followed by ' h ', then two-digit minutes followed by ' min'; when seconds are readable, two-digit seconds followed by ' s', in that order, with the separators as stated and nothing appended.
6 h 33 min
